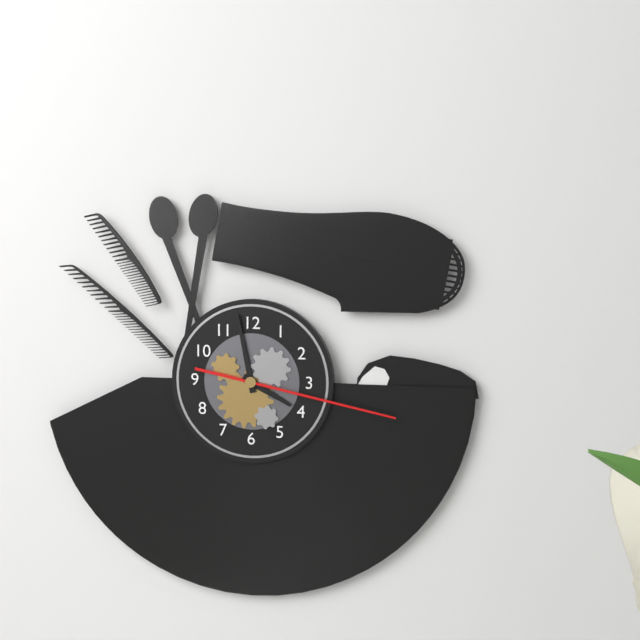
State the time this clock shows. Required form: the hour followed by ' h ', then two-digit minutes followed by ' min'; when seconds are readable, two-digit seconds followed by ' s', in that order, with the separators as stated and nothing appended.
3 h 58 min 17 s
